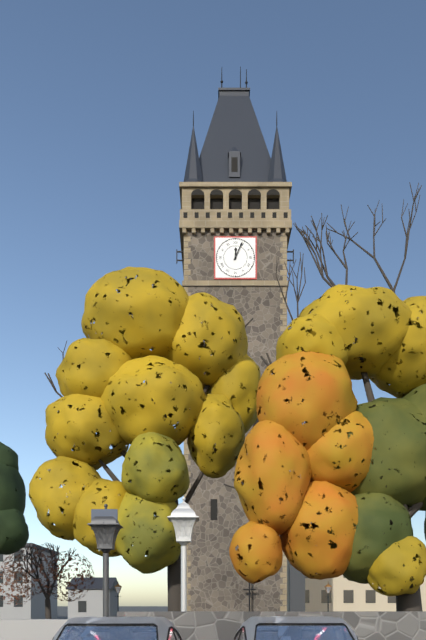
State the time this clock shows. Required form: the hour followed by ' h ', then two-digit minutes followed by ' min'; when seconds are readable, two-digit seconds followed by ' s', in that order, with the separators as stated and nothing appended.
12 h 04 min
